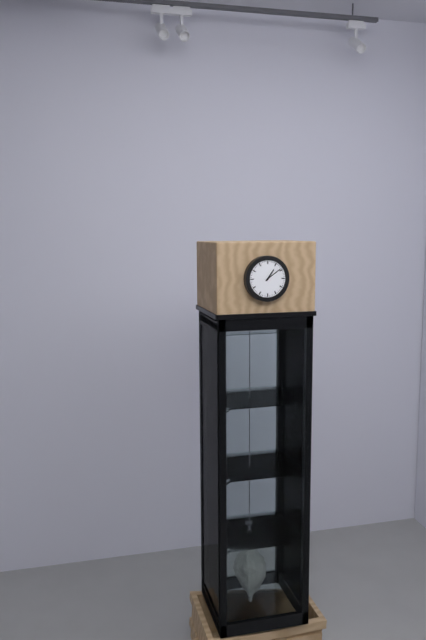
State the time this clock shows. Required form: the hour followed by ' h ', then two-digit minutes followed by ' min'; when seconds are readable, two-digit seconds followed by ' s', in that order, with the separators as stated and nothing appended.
1 h 09 min
